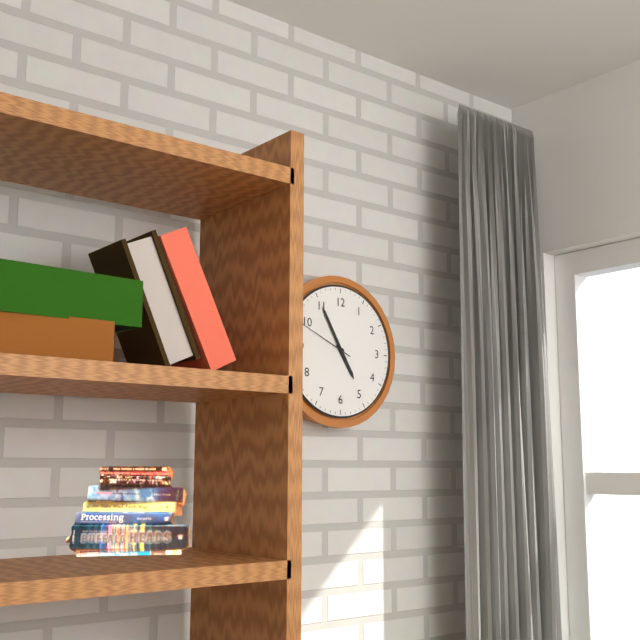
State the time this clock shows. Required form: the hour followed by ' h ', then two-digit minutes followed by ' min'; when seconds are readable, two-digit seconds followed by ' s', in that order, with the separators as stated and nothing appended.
4 h 55 min 49 s
